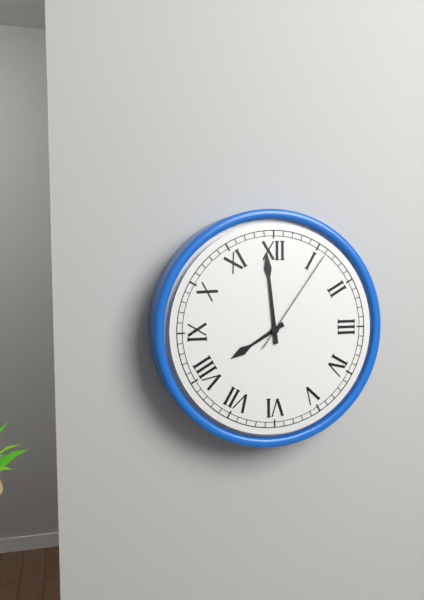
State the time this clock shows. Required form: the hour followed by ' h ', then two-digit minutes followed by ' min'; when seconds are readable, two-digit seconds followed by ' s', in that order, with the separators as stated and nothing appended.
7 h 59 min 06 s
